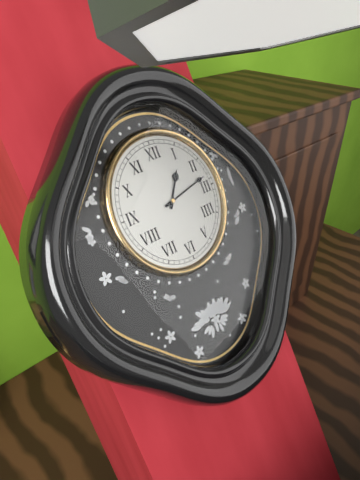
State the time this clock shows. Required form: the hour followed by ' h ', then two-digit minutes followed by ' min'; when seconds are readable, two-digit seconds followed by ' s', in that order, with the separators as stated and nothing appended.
1 h 13 min
